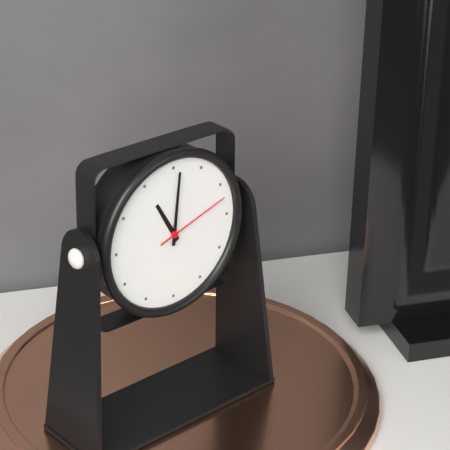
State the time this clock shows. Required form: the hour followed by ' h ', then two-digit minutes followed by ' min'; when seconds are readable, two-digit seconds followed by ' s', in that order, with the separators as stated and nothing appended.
11 h 01 min 12 s
